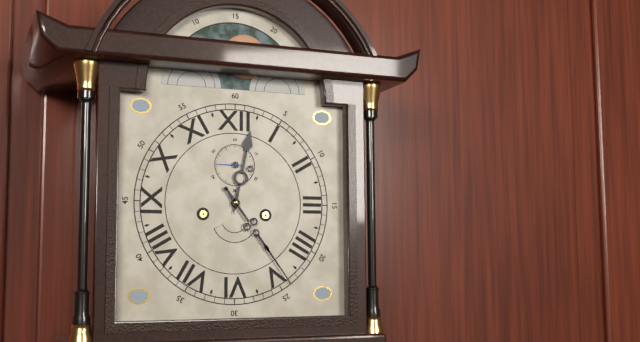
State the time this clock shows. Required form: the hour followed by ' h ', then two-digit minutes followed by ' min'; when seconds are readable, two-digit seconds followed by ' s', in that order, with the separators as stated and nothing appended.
12 h 24 min
